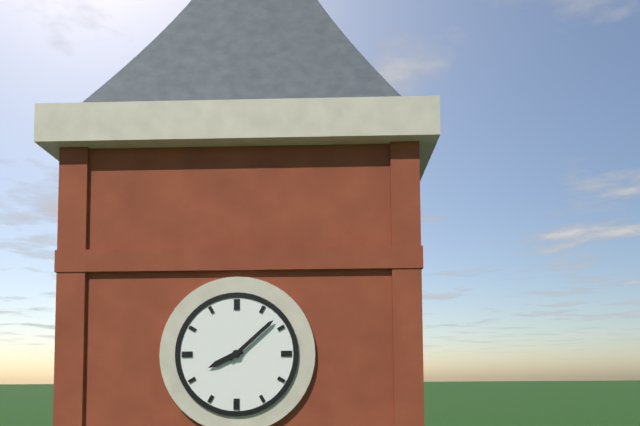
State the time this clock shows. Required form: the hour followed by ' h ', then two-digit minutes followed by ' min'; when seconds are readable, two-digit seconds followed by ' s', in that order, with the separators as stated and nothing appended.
8 h 08 min
